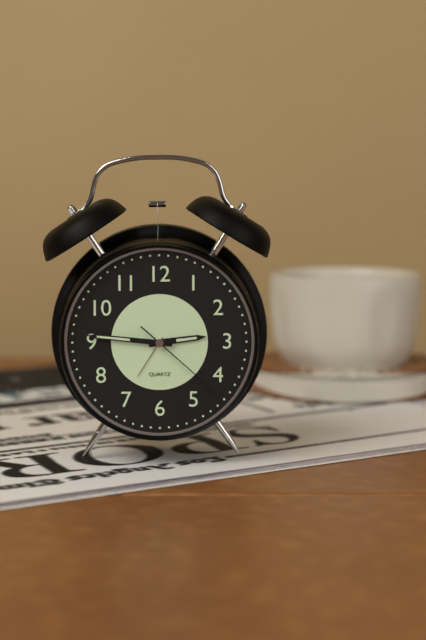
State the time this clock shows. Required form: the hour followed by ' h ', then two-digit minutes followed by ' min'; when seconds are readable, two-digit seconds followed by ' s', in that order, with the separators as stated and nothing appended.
2 h 46 min 22 s
